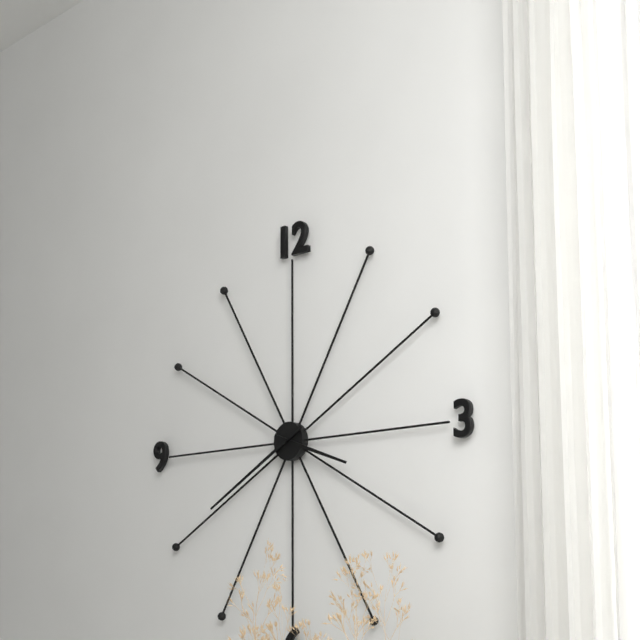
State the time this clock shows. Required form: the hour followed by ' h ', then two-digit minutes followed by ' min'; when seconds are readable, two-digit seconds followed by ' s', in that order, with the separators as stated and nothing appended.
3 h 40 min
